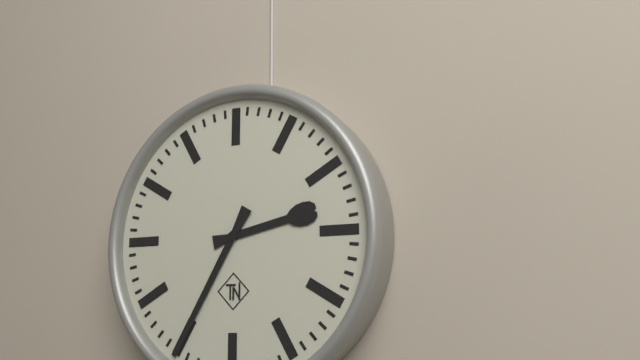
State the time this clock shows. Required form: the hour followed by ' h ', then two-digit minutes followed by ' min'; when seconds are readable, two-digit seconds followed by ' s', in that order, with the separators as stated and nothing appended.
2 h 35 min
